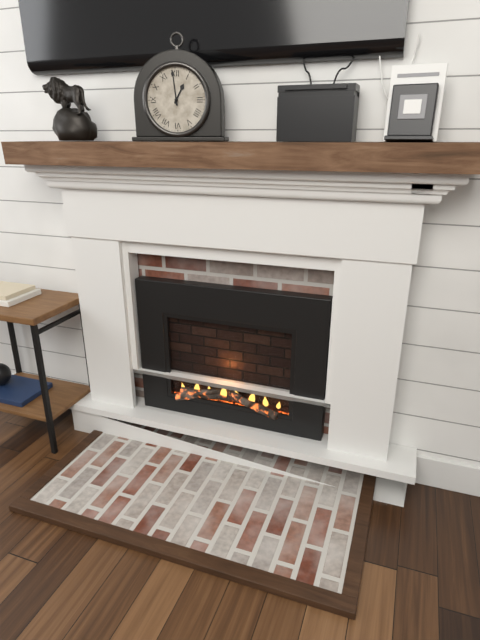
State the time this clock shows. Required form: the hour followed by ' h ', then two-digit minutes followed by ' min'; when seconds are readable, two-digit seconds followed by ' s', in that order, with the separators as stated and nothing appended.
12 h 59 min
